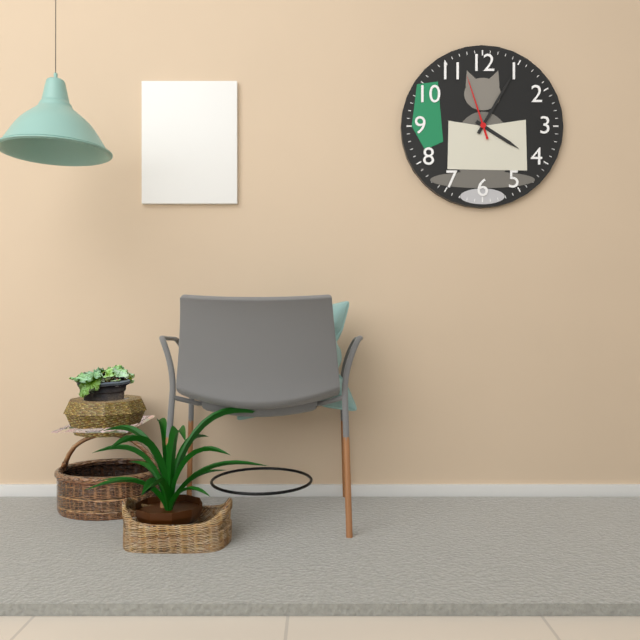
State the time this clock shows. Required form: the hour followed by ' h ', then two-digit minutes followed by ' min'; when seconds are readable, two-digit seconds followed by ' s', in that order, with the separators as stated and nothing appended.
4 h 05 min 57 s
